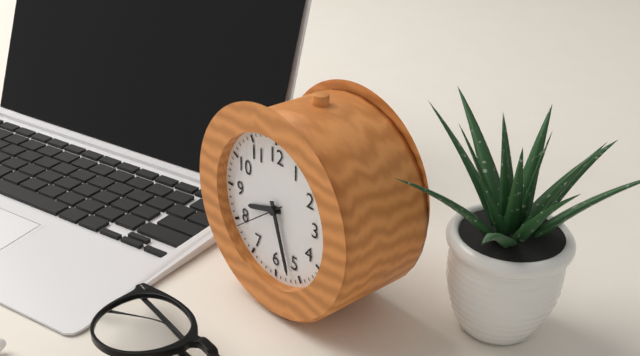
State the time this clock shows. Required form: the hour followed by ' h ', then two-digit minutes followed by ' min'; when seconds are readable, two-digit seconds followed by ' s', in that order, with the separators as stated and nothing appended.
8 h 27 min
